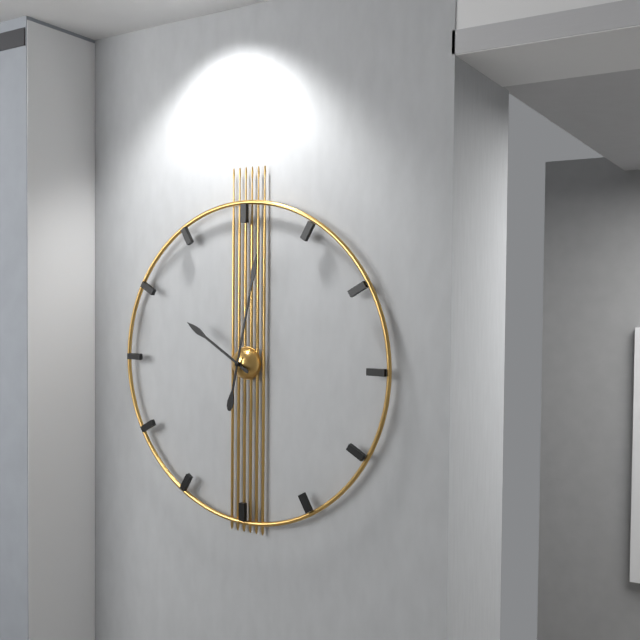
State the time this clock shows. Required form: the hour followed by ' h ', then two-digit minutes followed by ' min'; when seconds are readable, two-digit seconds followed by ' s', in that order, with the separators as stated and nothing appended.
10 h 02 min
